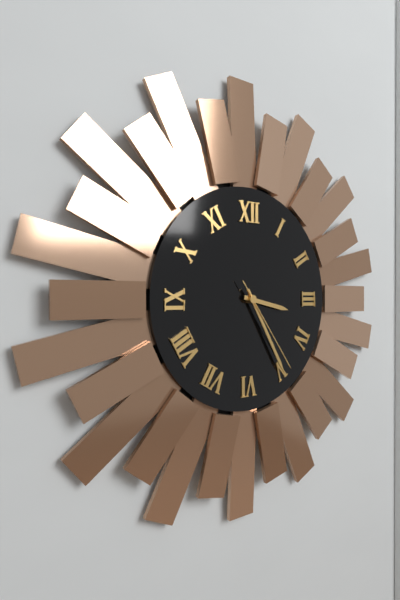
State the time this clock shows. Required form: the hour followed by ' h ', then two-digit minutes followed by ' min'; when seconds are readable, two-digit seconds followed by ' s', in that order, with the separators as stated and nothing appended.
3 h 25 min 24 s
